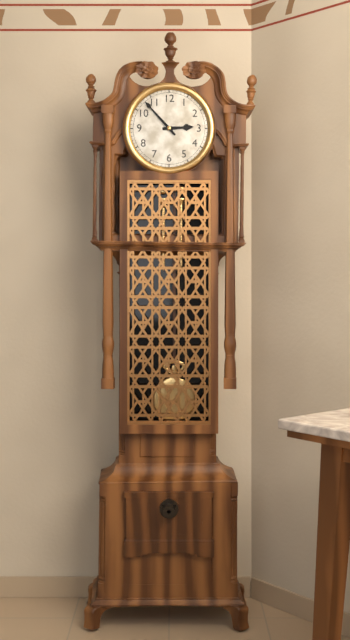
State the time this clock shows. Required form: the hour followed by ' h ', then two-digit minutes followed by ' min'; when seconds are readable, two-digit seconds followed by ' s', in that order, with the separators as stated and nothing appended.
2 h 53 min
